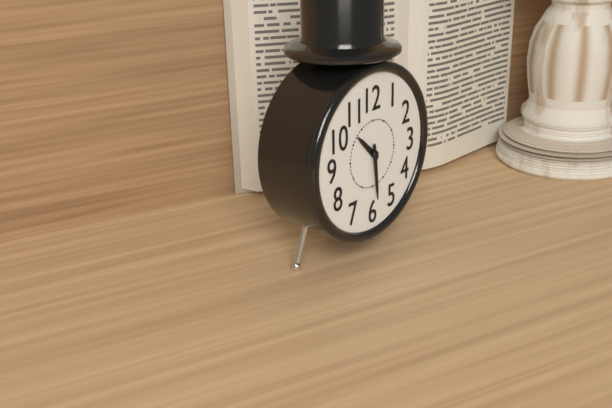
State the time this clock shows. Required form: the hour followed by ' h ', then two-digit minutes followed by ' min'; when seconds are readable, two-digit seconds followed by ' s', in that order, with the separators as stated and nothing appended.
10 h 29 min
